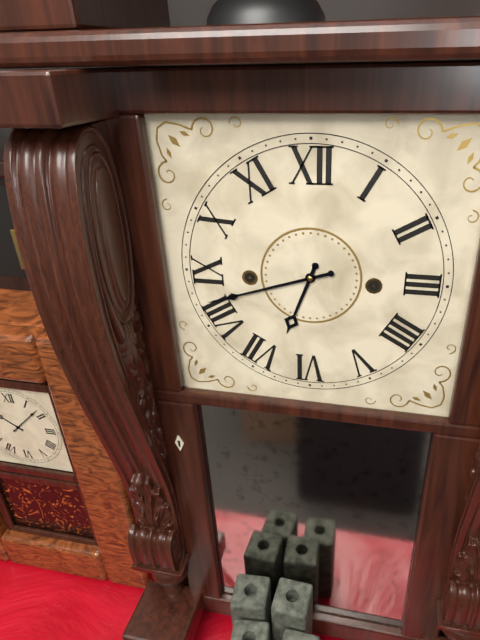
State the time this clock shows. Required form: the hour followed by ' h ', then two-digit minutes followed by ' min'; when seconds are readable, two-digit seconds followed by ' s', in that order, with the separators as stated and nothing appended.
6 h 42 min
